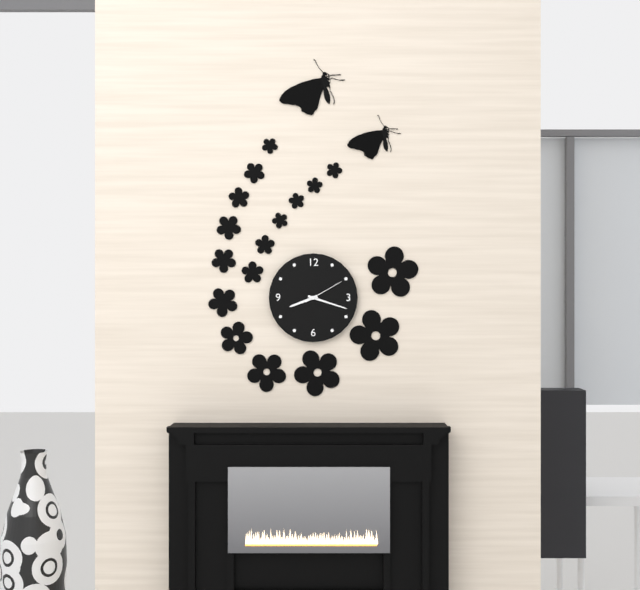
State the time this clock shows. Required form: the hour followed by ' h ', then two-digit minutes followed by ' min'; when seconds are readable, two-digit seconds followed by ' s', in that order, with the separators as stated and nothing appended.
8 h 18 min
